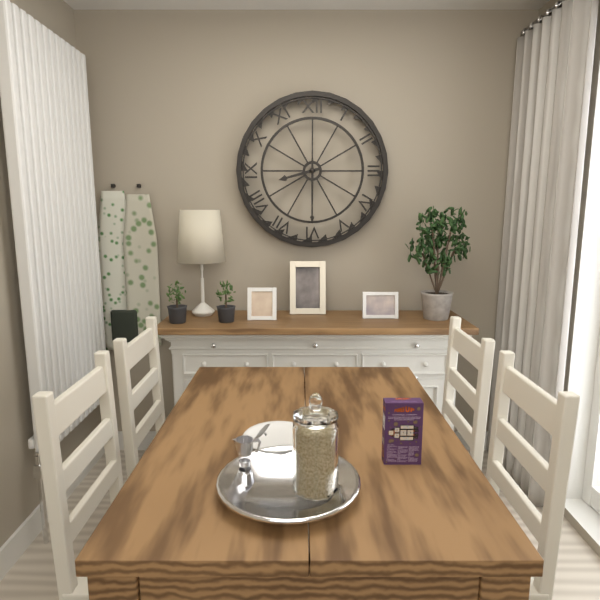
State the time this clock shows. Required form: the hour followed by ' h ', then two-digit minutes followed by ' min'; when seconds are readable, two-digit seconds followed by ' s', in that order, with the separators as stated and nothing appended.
8 h 30 min
